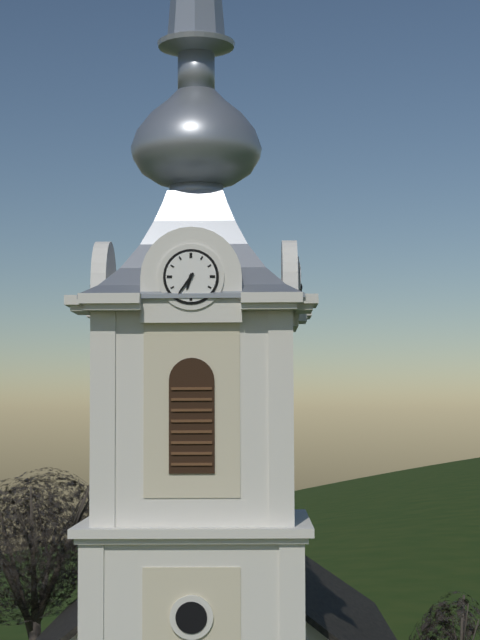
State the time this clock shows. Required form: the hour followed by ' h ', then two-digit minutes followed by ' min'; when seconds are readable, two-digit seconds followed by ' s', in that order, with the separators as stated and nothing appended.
6 h 36 min
